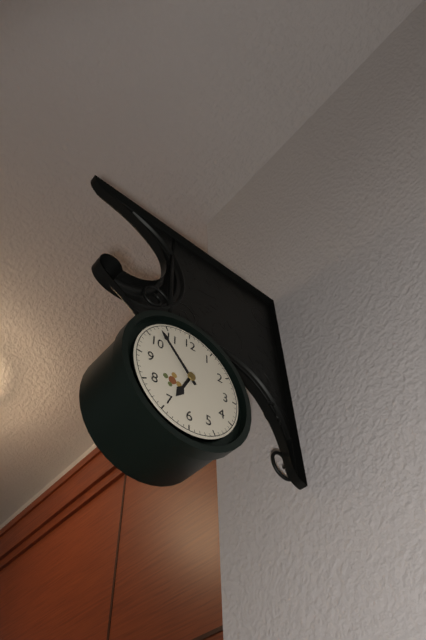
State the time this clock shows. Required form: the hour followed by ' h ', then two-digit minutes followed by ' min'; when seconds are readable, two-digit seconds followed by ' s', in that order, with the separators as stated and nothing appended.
6 h 53 min
